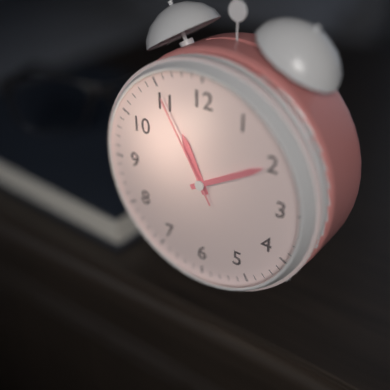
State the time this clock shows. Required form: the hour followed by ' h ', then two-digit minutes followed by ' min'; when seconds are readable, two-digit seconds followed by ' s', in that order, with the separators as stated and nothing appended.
11 h 10 min 55 s
